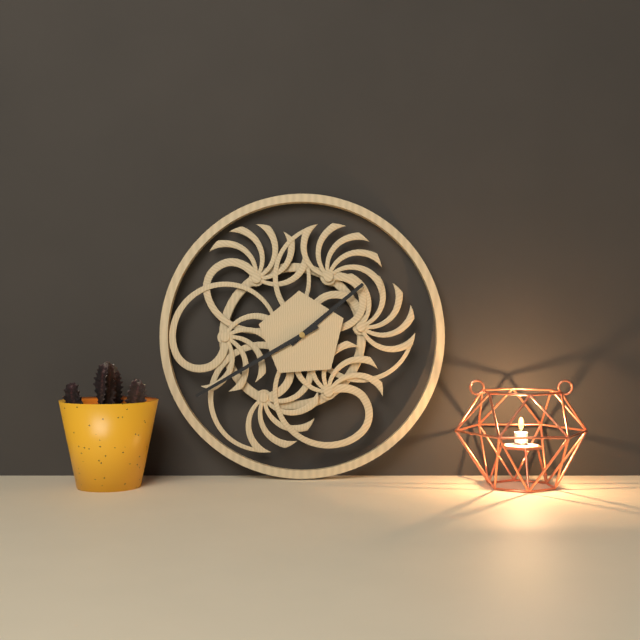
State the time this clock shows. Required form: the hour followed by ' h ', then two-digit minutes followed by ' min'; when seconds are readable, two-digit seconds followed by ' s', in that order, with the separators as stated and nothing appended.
1 h 40 min
